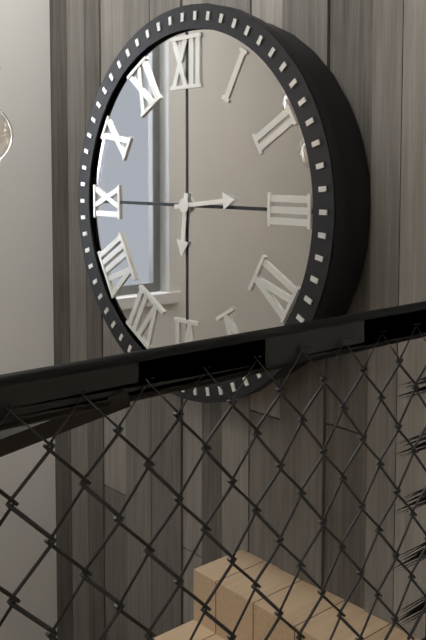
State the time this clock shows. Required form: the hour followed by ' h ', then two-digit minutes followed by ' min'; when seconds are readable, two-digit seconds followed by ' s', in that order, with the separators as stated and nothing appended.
6 h 14 min
